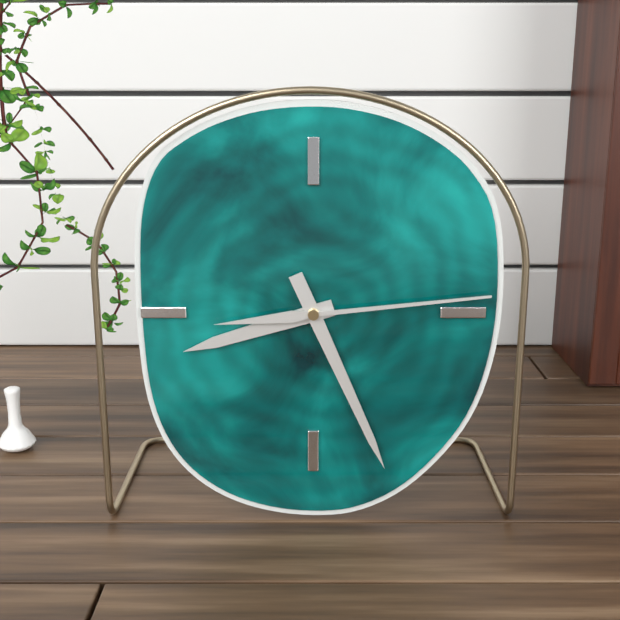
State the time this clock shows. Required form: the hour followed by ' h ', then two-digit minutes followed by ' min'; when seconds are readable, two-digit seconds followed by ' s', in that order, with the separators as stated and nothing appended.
8 h 26 min 14 s
